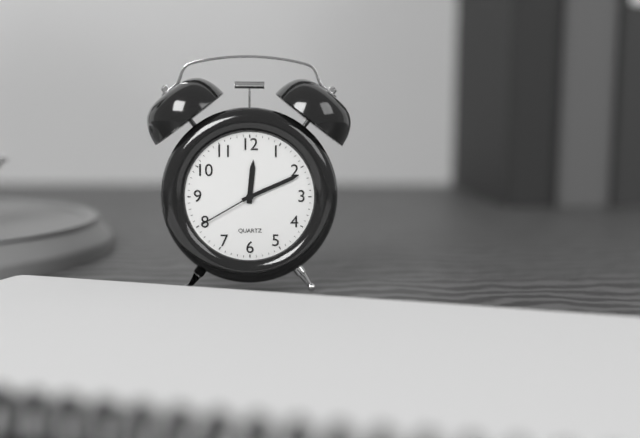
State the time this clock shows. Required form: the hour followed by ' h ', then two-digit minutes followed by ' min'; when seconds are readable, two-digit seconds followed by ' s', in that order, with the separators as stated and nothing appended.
12 h 11 min 40 s
